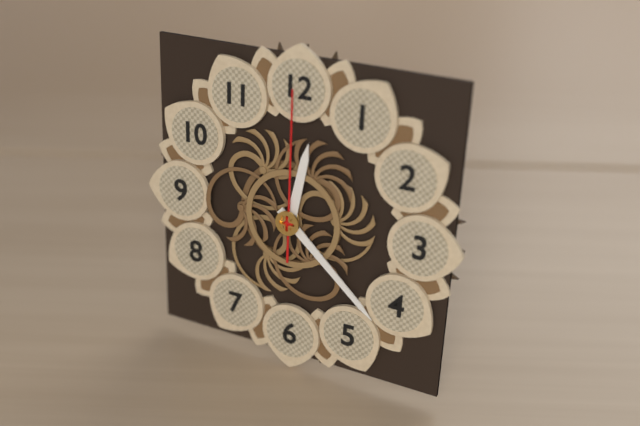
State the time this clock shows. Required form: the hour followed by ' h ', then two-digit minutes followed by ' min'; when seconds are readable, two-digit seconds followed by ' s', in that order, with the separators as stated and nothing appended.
12 h 22 min 00 s
